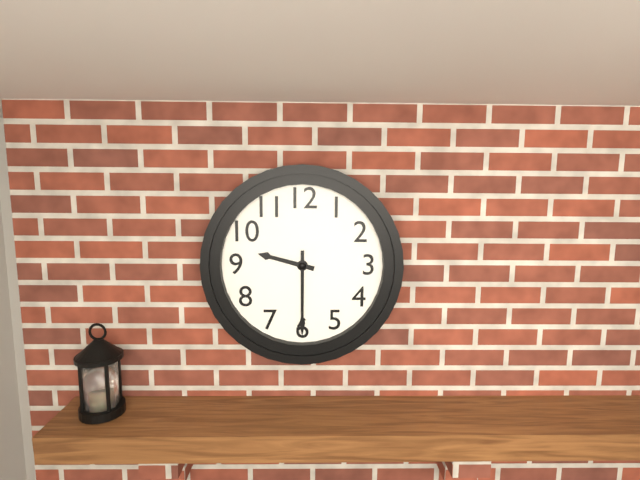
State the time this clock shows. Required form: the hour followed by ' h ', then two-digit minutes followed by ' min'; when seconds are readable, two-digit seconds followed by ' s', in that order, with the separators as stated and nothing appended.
9 h 30 min
